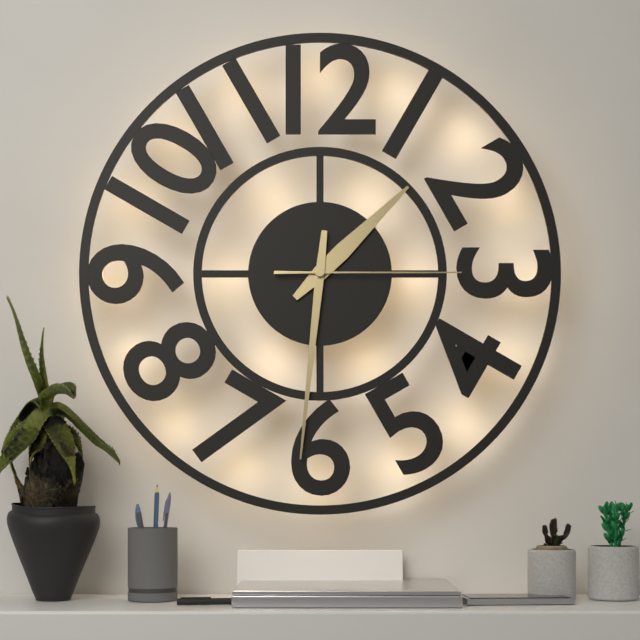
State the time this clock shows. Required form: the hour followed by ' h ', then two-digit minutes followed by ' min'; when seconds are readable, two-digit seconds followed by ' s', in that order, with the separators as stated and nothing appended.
1 h 31 min 15 s
